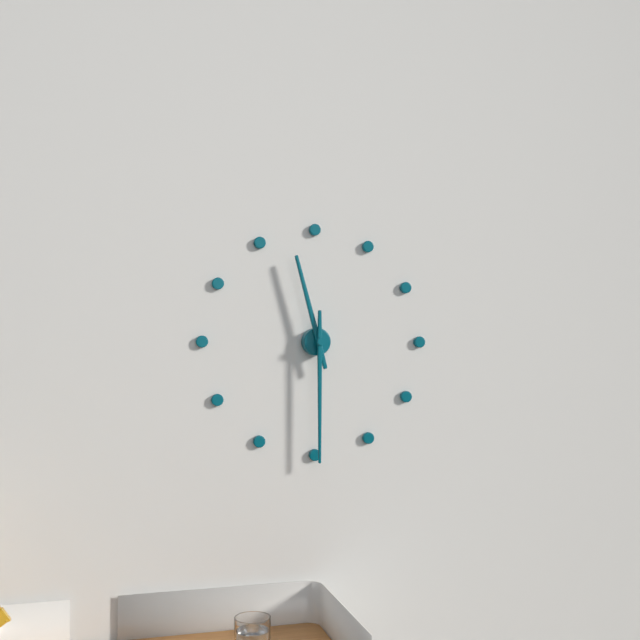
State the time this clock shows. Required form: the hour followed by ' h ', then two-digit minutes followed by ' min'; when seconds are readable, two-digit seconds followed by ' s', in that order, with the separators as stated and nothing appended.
11 h 30 min
